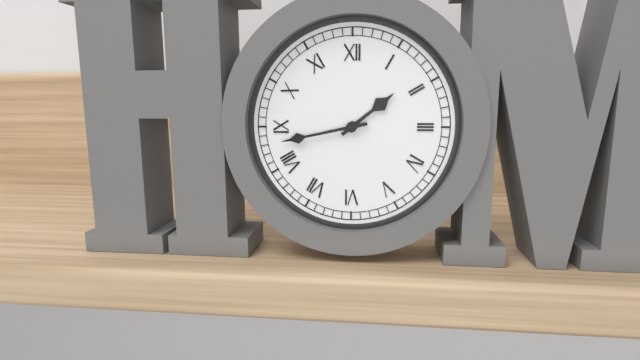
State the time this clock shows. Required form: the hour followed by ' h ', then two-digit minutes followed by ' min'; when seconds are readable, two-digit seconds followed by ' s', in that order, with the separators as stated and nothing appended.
1 h 43 min
